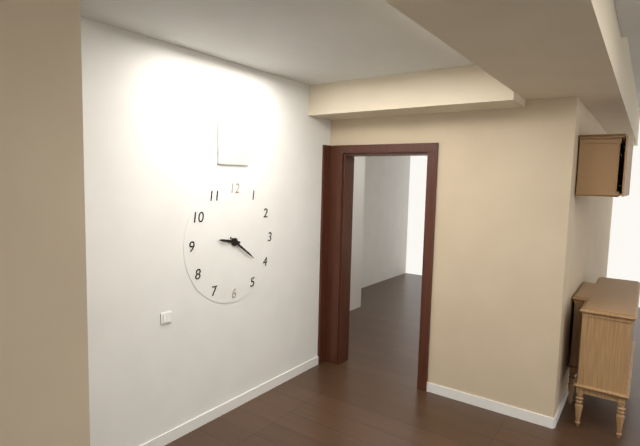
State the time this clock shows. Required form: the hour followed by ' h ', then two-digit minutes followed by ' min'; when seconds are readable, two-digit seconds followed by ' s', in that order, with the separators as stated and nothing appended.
9 h 21 min
